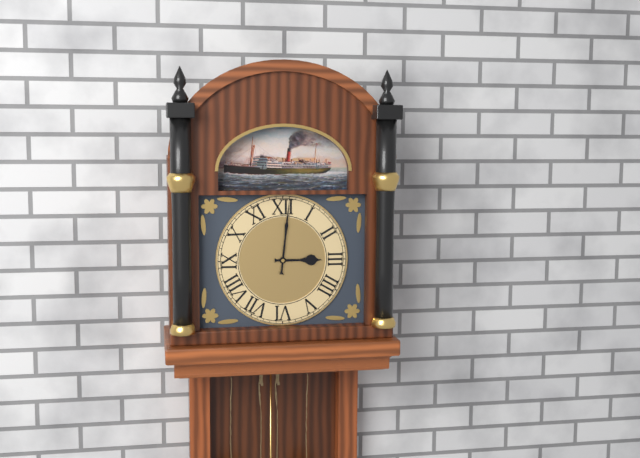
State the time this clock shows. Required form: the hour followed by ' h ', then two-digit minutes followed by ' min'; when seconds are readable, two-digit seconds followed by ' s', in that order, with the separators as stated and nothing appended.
3 h 01 min
